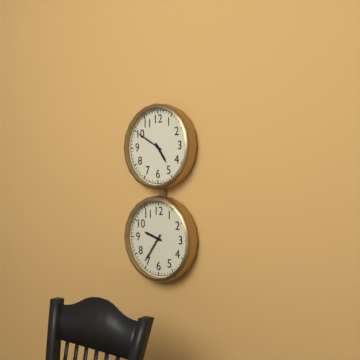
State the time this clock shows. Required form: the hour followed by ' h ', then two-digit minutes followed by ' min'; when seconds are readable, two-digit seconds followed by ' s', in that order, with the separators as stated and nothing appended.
4 h 50 min
